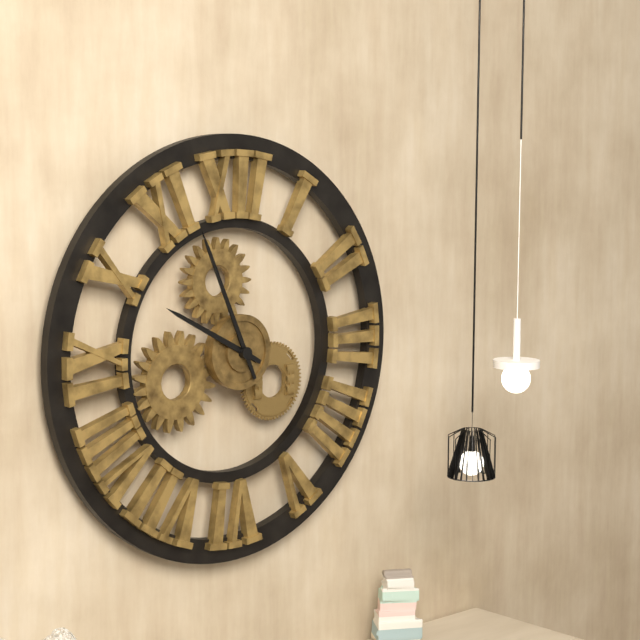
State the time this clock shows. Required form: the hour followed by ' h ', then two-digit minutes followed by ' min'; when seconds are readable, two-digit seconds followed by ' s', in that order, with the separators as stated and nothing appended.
9 h 56 min
